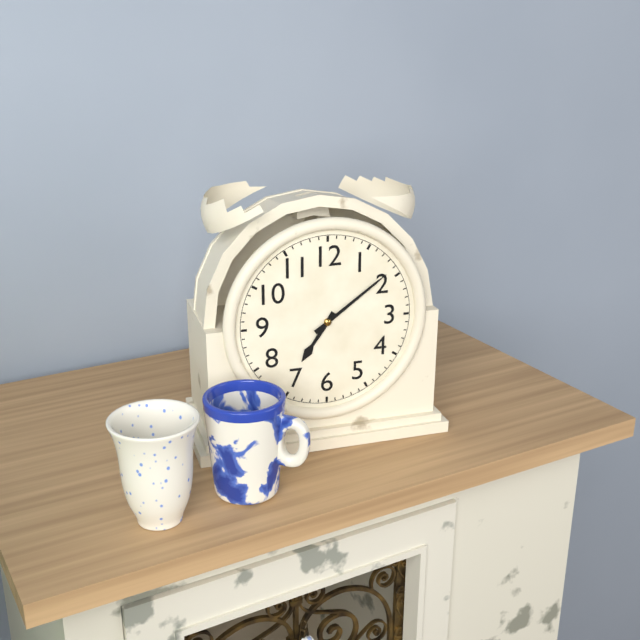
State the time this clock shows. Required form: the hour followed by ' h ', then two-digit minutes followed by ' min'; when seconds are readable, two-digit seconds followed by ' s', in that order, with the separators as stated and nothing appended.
7 h 09 min
